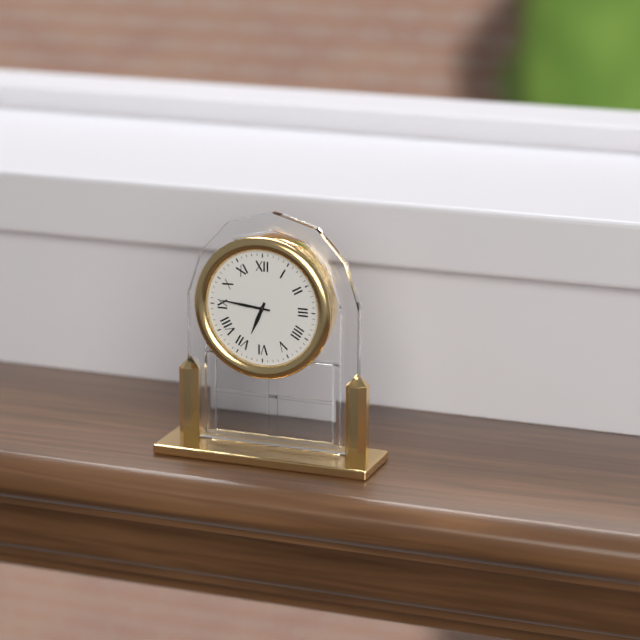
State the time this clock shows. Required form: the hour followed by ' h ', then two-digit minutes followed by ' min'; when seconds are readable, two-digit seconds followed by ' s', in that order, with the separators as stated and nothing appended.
6 h 46 min
